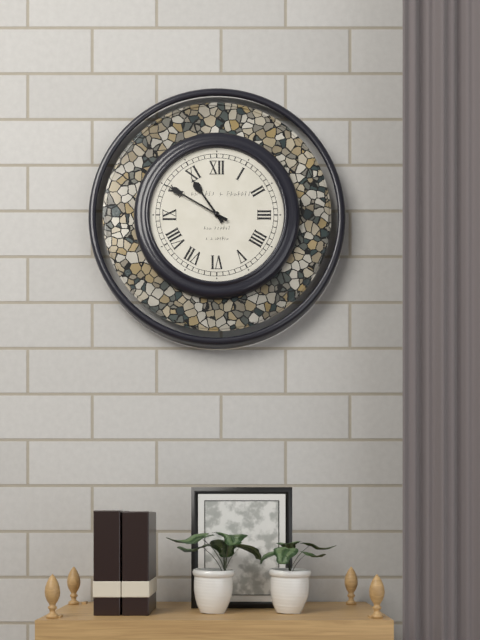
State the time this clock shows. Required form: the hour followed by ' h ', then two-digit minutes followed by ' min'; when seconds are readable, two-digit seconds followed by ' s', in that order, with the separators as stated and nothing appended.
10 h 50 min
